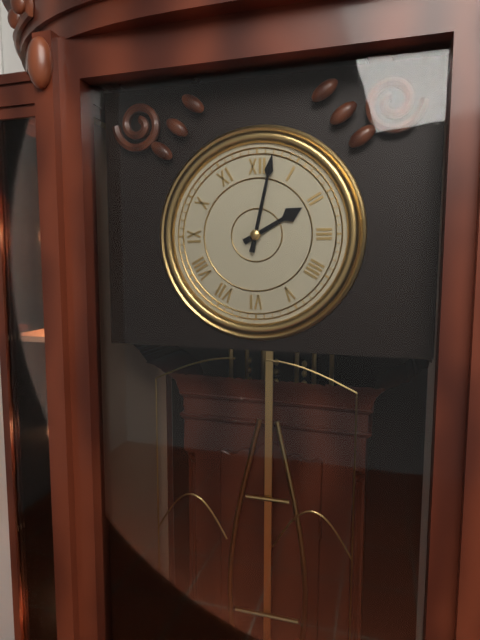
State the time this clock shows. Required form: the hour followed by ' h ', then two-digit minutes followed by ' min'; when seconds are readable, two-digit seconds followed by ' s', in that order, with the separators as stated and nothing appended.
2 h 02 min
